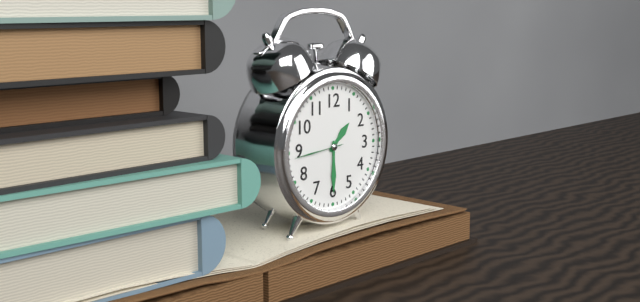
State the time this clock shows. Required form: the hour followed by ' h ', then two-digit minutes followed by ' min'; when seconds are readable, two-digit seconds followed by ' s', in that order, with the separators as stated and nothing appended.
1 h 30 min 44 s
